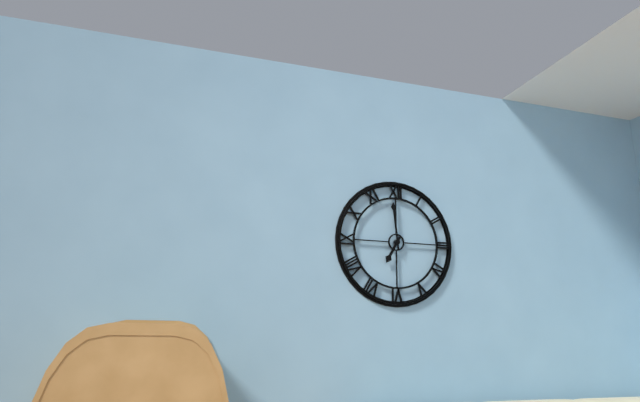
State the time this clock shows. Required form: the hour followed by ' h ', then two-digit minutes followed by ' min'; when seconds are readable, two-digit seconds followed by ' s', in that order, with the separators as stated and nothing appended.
6 h 59 min
